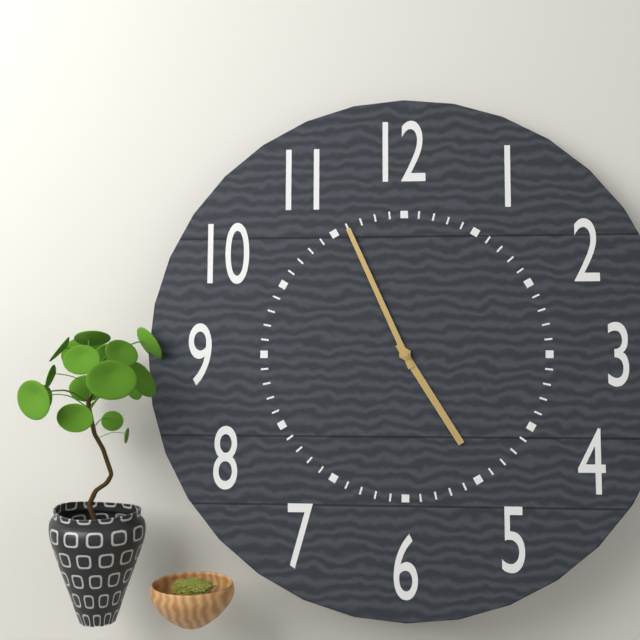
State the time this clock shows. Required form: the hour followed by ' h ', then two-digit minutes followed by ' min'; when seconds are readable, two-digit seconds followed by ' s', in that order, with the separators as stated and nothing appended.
4 h 56 min
